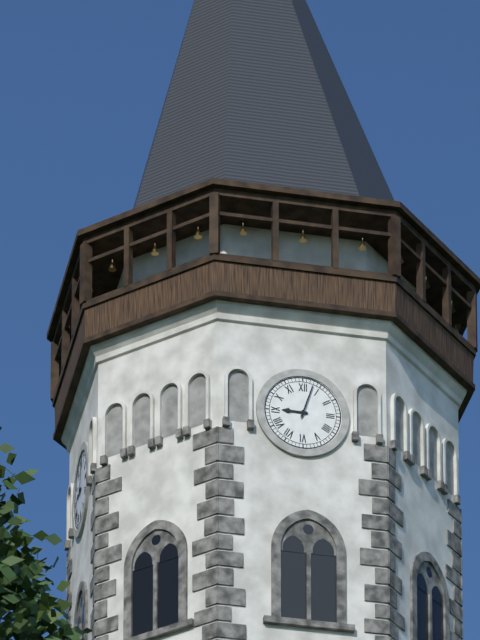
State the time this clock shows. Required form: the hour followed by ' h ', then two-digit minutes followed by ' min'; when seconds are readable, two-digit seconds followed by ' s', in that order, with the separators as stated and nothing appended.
9 h 03 min
